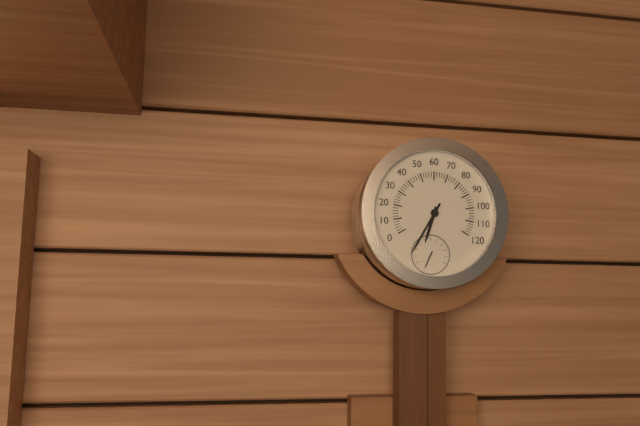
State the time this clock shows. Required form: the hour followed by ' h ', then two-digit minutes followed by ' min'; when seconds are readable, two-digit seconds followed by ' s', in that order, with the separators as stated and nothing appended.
6 h 35 min
